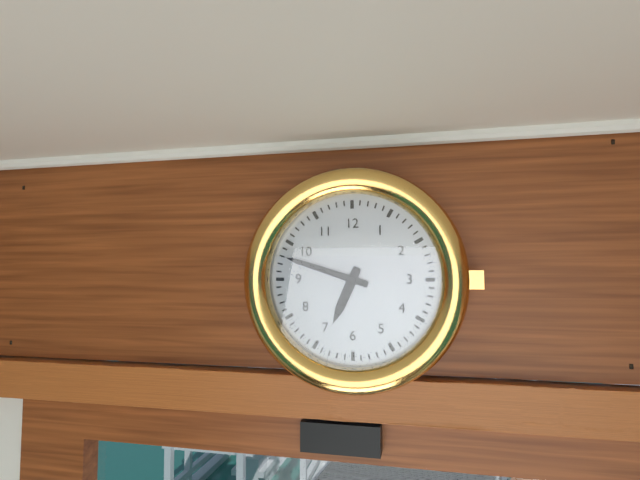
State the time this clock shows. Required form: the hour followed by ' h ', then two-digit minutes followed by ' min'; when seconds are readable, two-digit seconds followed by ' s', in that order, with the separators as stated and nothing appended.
6 h 48 min
